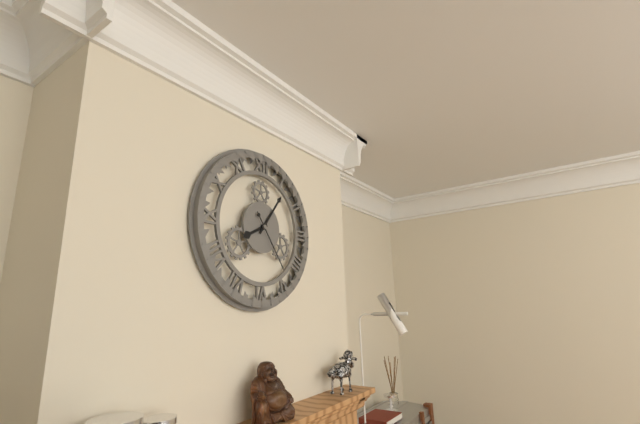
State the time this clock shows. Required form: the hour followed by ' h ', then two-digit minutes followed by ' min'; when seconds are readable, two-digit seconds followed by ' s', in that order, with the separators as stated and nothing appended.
8 h 06 min 24 s
